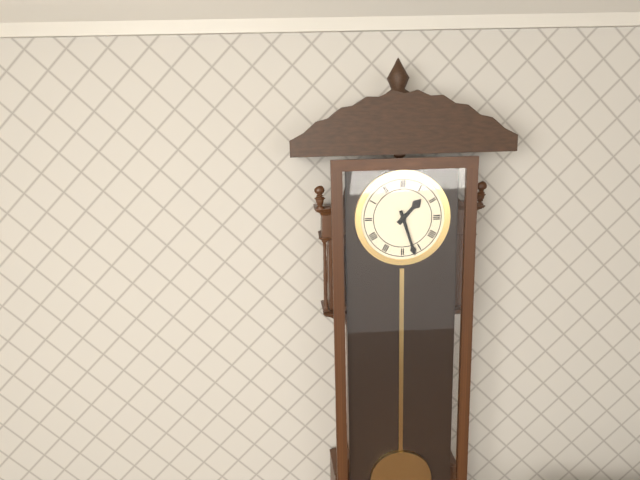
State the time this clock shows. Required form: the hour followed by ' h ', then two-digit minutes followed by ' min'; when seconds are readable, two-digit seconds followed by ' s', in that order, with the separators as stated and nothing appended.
1 h 27 min
